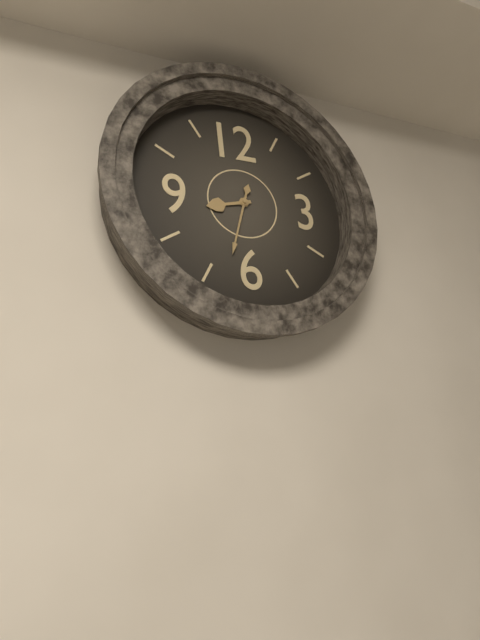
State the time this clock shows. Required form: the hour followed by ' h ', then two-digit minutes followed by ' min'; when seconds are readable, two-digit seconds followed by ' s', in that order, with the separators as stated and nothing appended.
8 h 33 min
